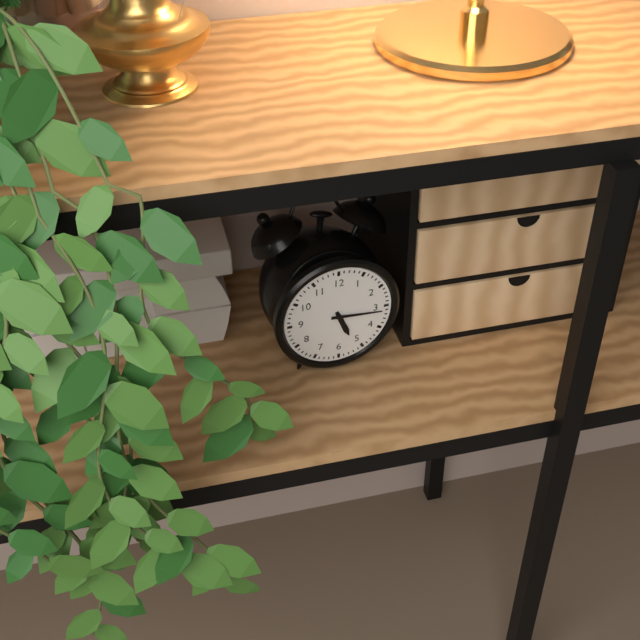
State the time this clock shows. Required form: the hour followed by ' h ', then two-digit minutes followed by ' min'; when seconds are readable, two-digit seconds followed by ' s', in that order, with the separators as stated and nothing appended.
5 h 16 min
